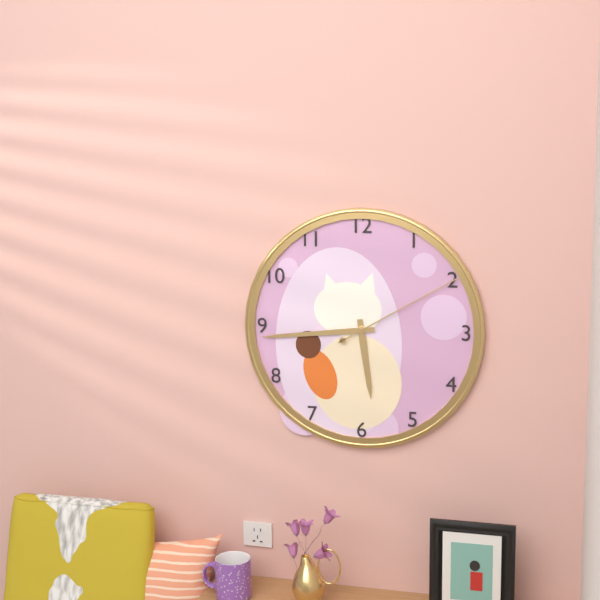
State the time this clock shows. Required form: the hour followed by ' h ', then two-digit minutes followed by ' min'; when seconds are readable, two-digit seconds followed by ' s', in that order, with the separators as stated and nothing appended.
5 h 44 min 10 s
